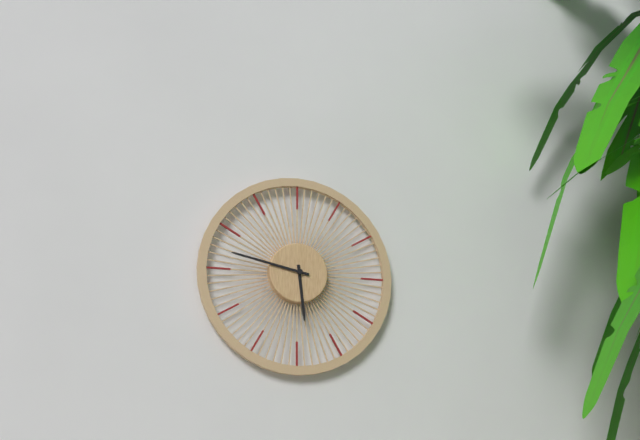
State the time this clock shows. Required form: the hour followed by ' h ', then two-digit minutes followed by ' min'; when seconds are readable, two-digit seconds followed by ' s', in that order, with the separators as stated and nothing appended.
5 h 47 min
